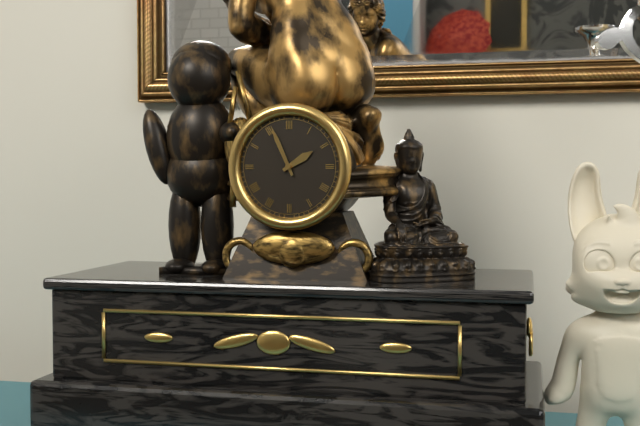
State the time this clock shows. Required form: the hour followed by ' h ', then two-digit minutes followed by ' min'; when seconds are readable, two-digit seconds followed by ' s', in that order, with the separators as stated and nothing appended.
1 h 56 min
